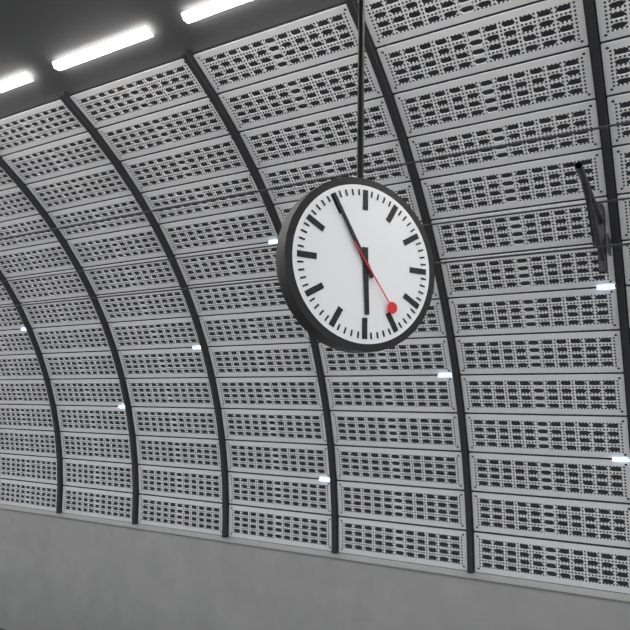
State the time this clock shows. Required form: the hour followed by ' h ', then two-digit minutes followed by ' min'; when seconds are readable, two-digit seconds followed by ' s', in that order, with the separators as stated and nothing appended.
5 h 55 min 24 s
